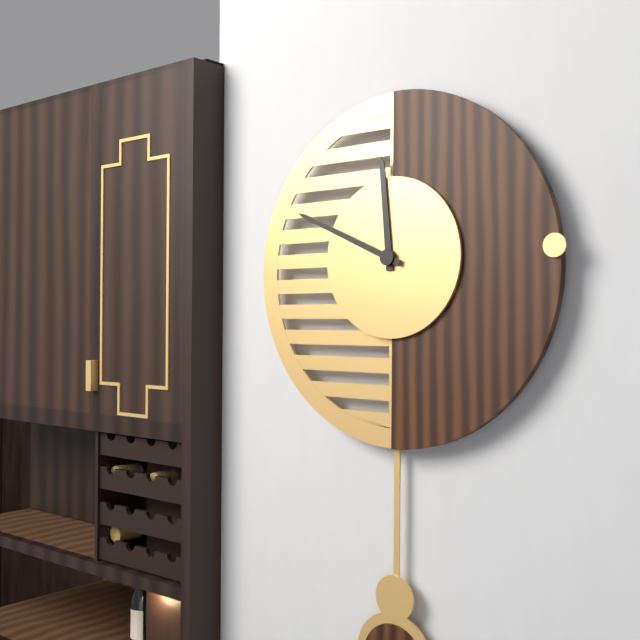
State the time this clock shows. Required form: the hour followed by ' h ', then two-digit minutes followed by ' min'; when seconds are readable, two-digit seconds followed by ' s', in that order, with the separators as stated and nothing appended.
11 h 49 min
